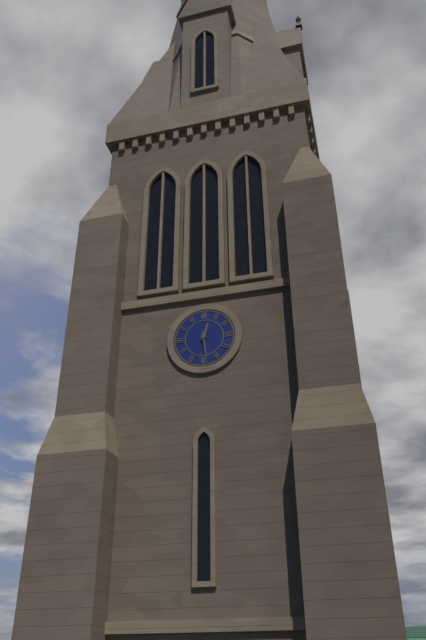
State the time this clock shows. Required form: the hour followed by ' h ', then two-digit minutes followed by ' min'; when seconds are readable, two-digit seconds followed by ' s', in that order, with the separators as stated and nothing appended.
12 h 29 min
